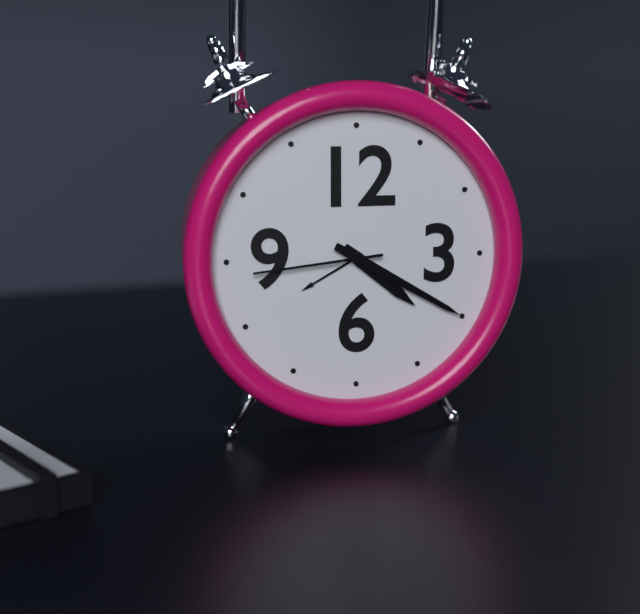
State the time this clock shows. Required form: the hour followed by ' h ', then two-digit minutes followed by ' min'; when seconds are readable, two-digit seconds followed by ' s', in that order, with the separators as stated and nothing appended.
4 h 20 min 44 s
